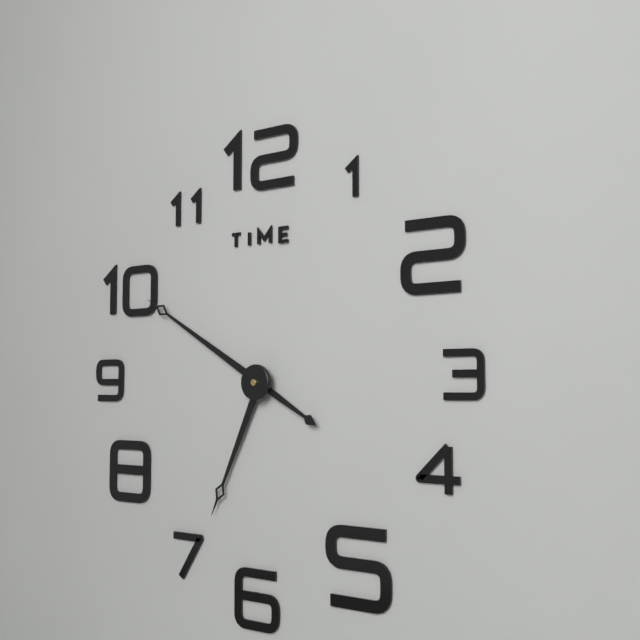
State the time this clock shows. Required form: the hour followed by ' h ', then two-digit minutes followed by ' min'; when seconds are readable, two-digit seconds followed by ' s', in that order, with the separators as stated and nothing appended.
6 h 50 min
